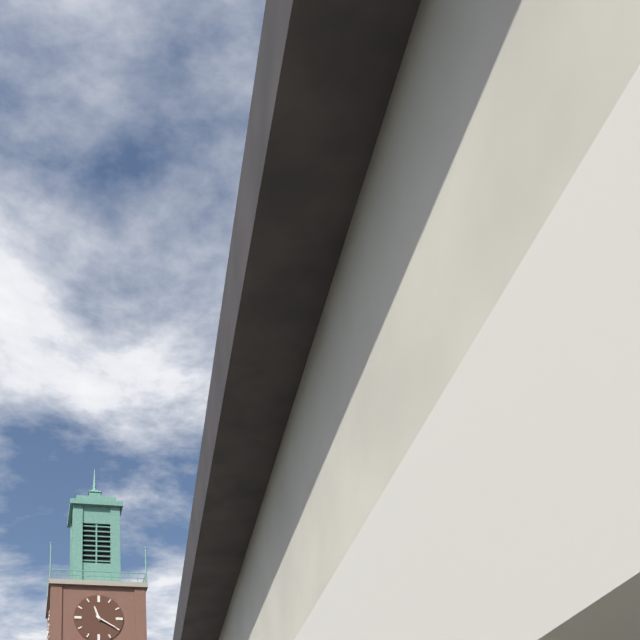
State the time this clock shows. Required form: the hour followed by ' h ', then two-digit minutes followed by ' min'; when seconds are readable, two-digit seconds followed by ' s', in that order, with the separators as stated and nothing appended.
11 h 20 min
